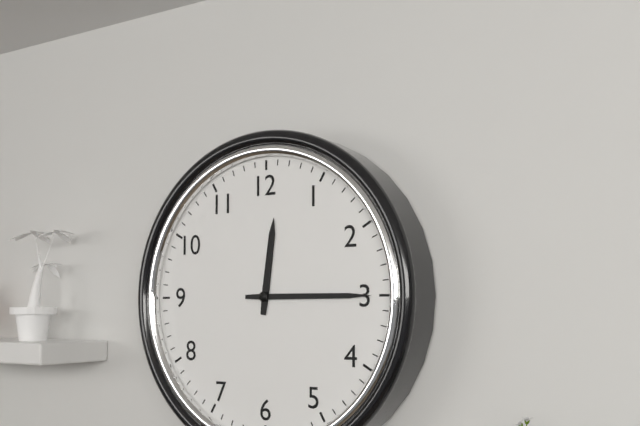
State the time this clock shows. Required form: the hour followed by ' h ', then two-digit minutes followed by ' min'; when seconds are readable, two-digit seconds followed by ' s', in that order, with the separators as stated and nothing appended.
12 h 15 min
